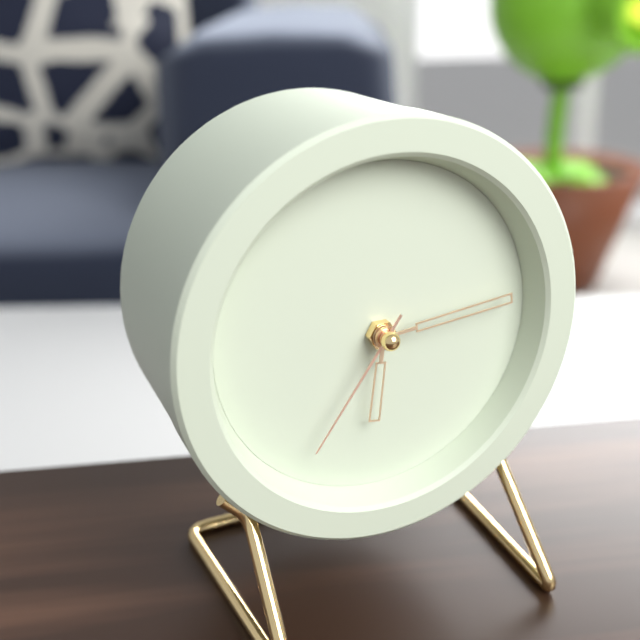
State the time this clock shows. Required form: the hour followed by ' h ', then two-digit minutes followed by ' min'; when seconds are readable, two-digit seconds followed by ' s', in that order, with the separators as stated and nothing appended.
6 h 14 min 36 s
